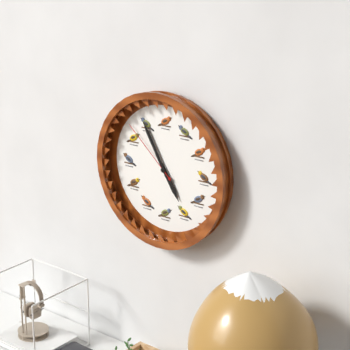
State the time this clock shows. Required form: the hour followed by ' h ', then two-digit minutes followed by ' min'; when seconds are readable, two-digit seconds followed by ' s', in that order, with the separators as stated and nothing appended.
4 h 55 min 52 s
